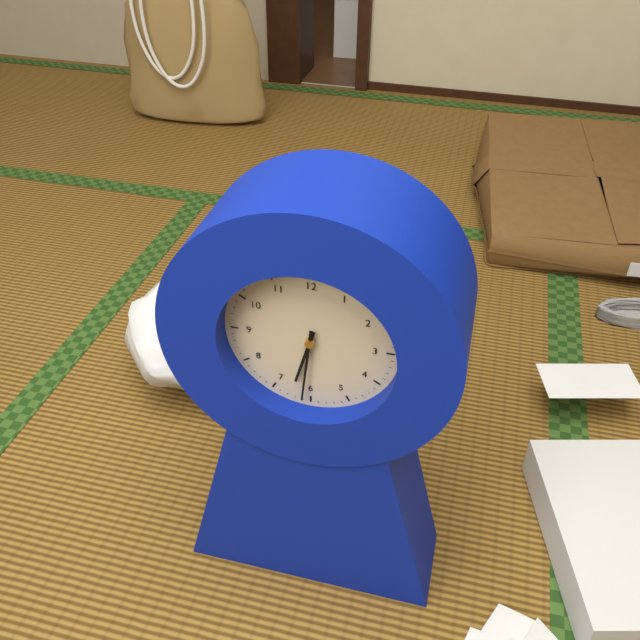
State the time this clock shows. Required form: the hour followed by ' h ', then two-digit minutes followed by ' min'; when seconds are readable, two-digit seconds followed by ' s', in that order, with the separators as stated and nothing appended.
6 h 31 min
